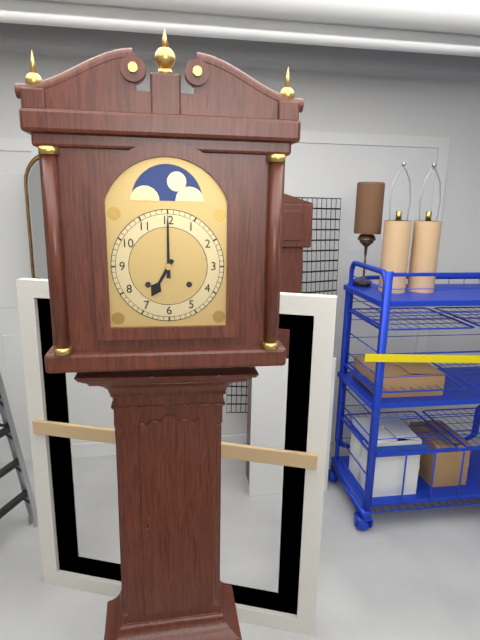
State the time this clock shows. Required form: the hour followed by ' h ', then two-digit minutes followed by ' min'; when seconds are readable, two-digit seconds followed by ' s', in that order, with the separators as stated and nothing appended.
7 h 00 min
